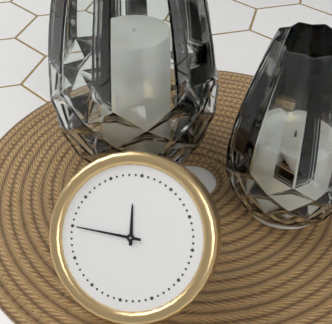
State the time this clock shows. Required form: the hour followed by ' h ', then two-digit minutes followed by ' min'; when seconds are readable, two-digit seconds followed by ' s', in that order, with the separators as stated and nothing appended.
11 h 45 min
